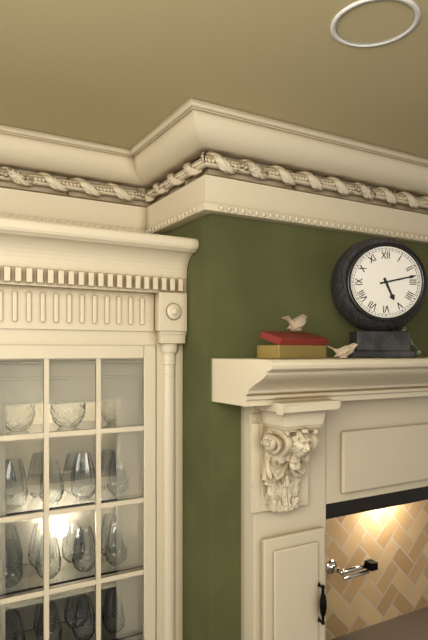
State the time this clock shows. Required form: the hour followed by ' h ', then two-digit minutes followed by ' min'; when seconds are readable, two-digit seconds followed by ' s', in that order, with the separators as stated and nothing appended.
5 h 13 min
